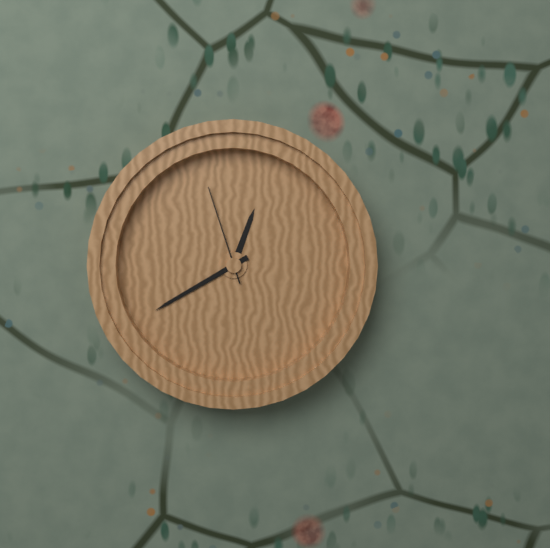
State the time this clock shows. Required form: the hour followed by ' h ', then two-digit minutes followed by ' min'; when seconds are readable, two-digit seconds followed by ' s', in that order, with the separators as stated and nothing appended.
12 h 40 min 57 s
